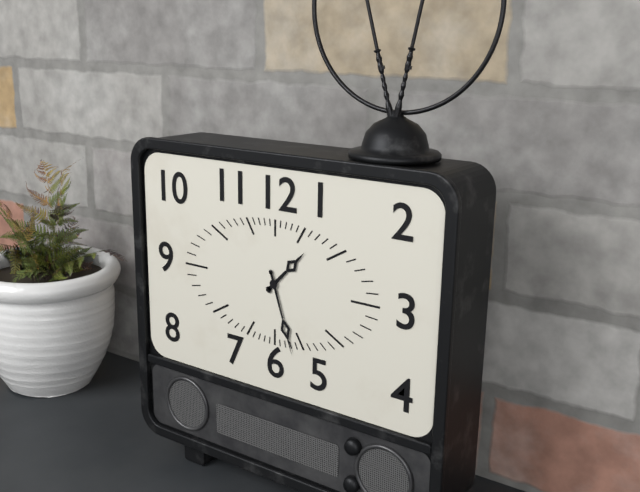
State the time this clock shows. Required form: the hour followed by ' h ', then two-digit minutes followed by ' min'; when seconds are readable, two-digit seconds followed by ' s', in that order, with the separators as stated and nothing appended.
1 h 27 min
